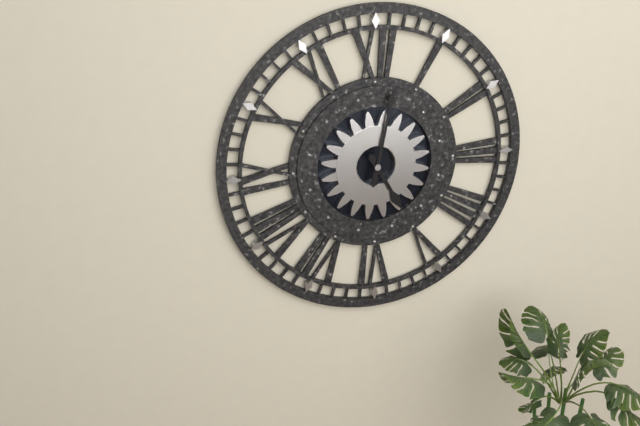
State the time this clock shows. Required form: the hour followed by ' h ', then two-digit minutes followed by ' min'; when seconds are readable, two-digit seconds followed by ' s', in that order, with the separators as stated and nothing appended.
5 h 02 min
